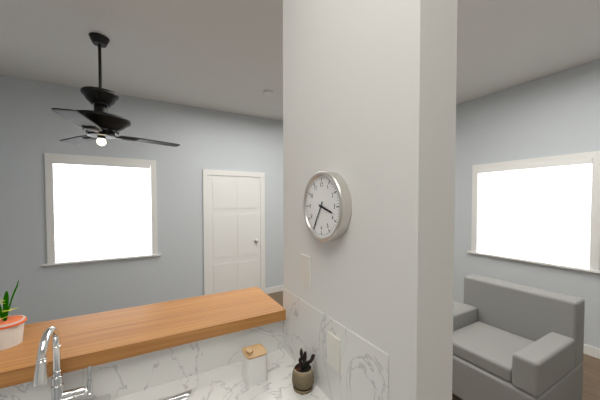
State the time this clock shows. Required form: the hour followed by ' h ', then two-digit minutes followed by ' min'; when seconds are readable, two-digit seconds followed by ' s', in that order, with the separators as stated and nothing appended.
3 h 35 min
